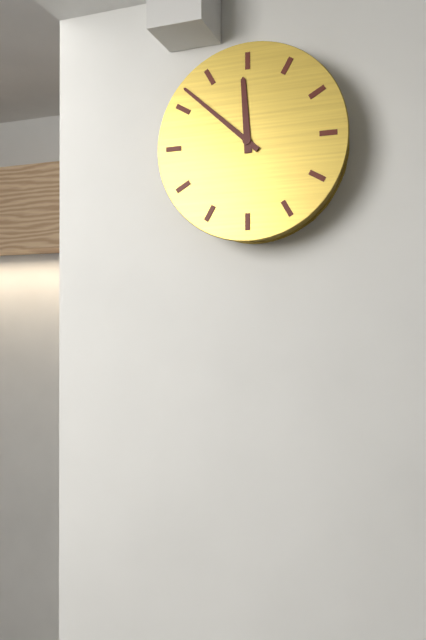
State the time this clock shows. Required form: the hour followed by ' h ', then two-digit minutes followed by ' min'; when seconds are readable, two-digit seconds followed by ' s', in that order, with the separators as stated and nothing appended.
11 h 52 min
